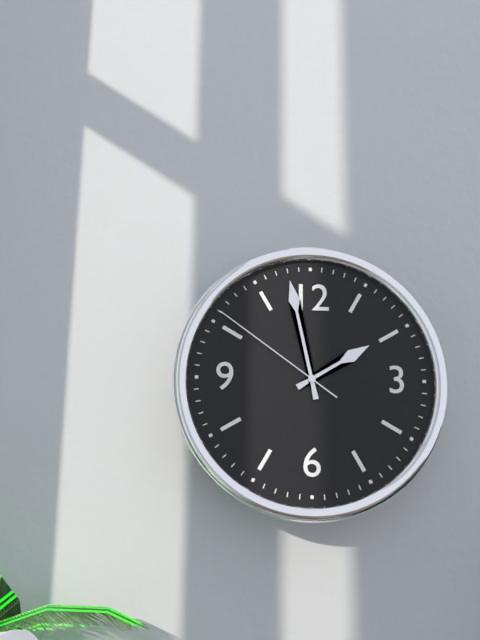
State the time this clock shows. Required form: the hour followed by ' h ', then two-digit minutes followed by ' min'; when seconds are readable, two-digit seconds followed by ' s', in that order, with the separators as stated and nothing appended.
1 h 58 min 51 s
